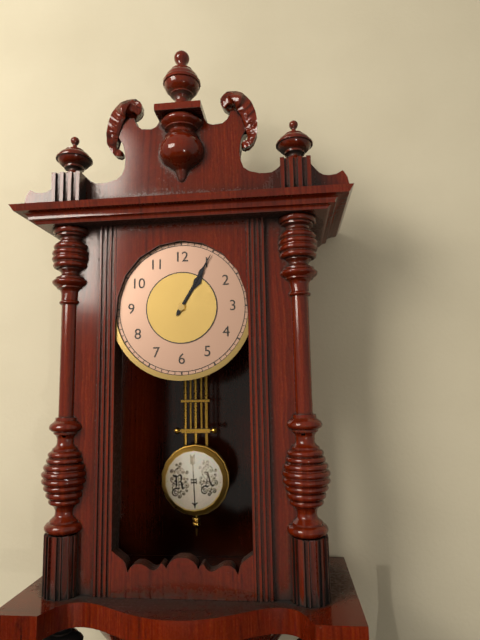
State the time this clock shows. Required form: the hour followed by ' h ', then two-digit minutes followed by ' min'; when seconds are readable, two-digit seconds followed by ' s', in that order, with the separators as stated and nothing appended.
1 h 05 min
